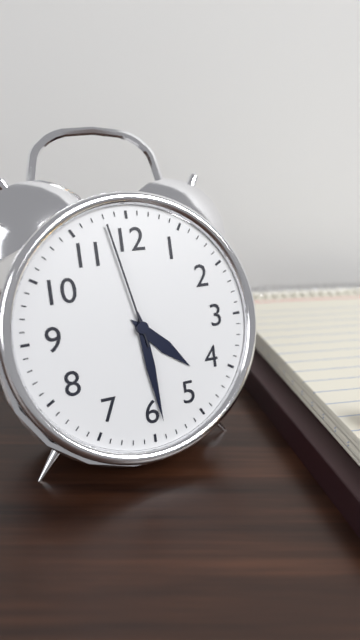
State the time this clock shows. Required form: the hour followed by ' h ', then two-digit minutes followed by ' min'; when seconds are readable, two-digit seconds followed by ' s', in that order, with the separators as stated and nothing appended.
4 h 29 min 58 s
